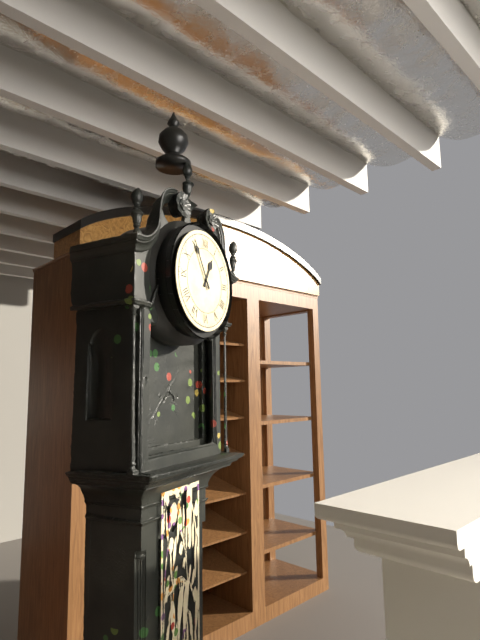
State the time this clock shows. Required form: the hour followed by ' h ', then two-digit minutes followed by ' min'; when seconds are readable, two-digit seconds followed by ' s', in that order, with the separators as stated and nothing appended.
12 h 55 min
